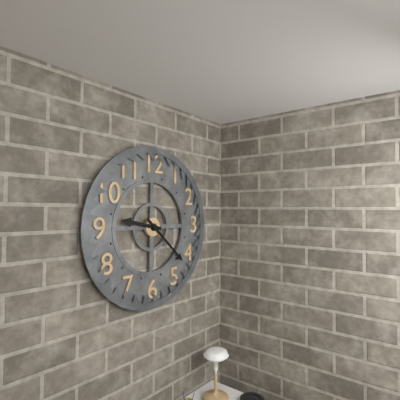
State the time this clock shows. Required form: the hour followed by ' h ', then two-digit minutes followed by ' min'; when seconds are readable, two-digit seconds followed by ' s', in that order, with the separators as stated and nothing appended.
9 h 22 min
